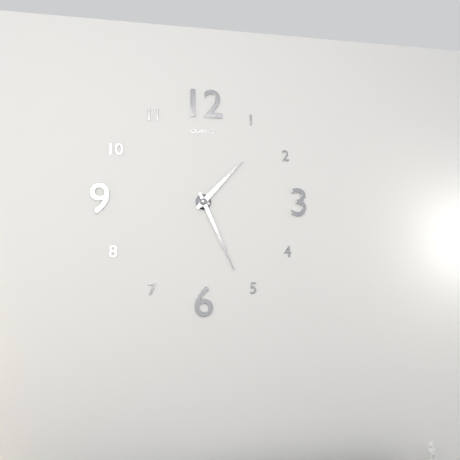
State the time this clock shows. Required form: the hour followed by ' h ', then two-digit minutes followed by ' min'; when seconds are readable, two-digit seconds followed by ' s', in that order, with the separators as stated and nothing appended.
1 h 26 min
